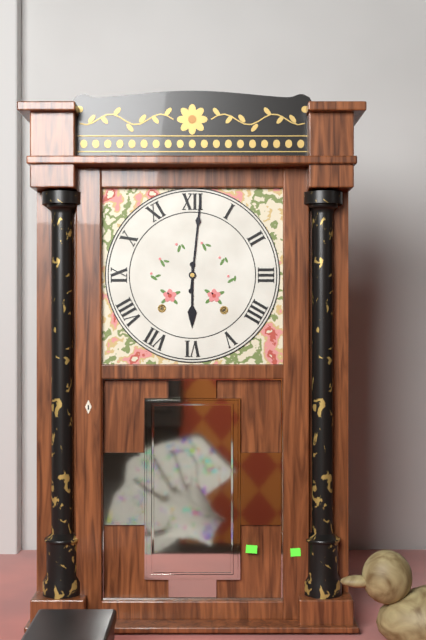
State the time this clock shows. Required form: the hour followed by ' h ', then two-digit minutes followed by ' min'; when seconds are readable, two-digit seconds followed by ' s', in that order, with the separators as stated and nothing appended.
6 h 01 min
